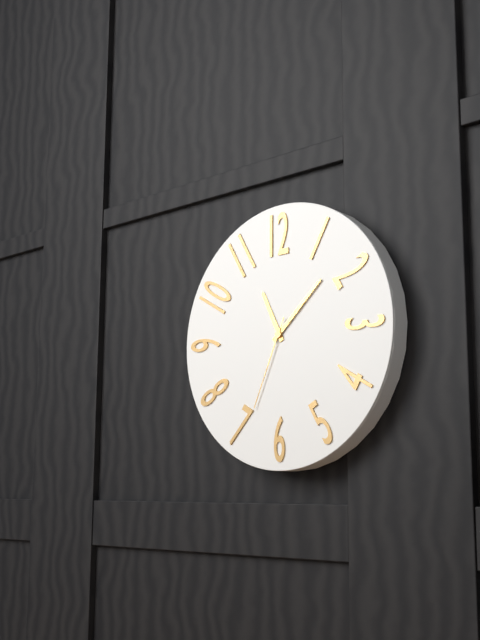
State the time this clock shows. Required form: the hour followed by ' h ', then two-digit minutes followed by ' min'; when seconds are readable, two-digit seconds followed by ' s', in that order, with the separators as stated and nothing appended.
11 h 08 min 34 s
